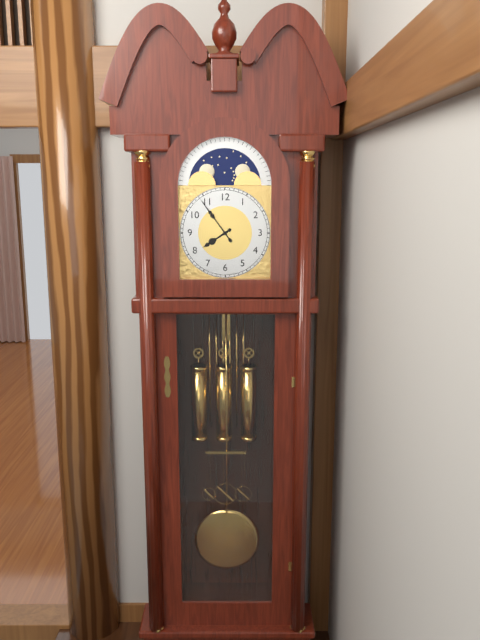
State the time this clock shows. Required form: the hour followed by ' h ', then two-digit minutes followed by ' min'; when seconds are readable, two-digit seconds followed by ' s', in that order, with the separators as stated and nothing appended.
7 h 54 min
